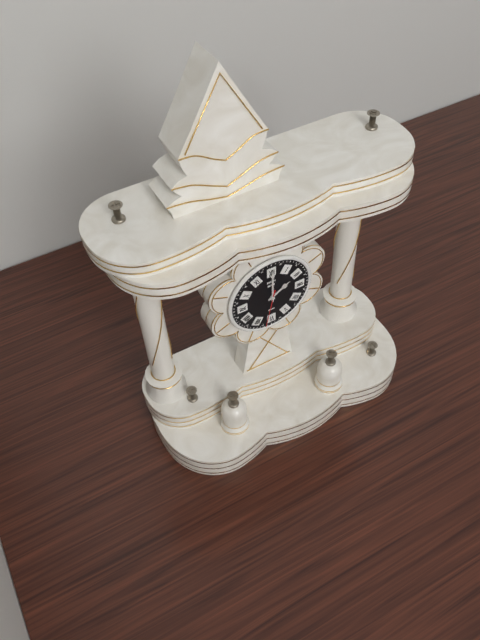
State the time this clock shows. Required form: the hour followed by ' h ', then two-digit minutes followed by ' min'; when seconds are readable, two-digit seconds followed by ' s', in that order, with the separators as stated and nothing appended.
2 h 00 min
